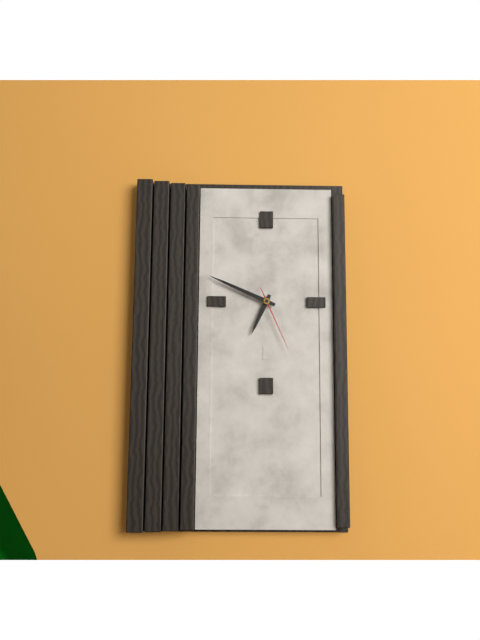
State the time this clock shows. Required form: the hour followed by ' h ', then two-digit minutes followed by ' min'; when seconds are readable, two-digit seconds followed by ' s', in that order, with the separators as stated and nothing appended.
6 h 49 min 26 s
